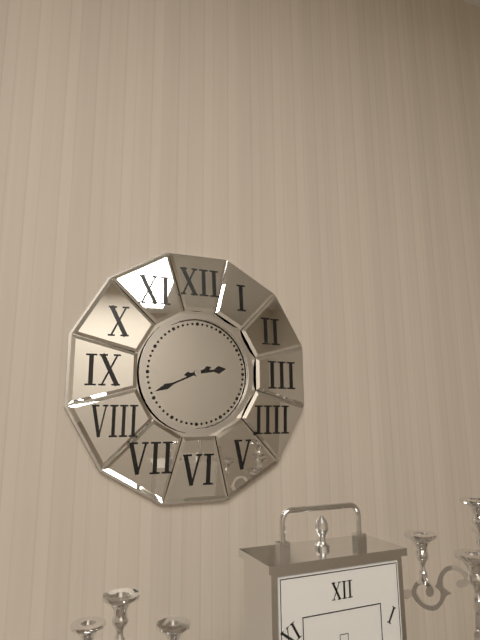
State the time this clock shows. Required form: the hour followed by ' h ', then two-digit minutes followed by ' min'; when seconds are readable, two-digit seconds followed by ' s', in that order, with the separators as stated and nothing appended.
2 h 41 min
